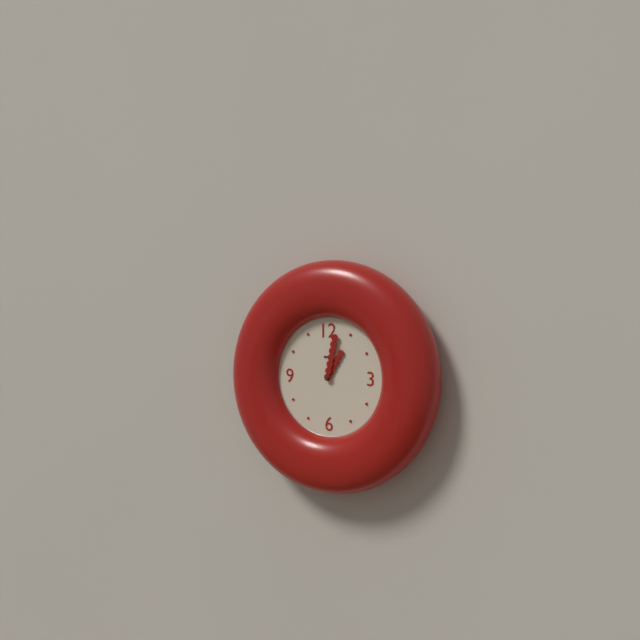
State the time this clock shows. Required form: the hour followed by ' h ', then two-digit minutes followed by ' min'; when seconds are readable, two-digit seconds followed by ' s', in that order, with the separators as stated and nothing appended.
1 h 02 min
